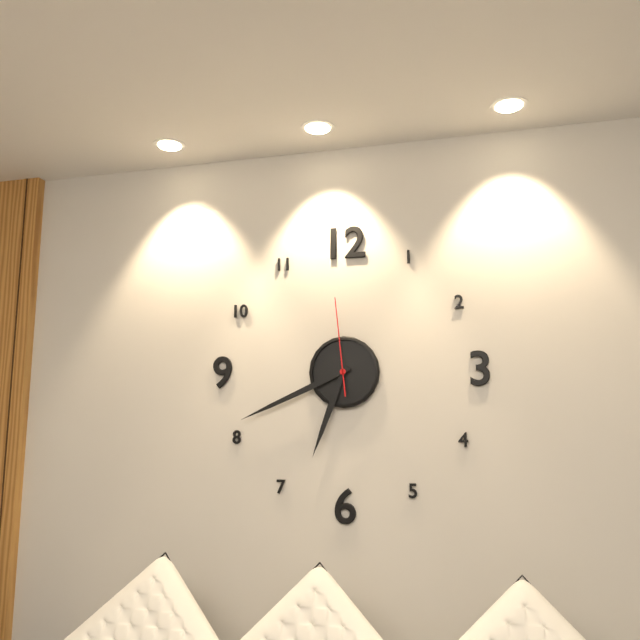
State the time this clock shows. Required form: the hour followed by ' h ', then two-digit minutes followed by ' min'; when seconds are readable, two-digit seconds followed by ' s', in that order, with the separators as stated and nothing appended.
6 h 41 min 59 s
